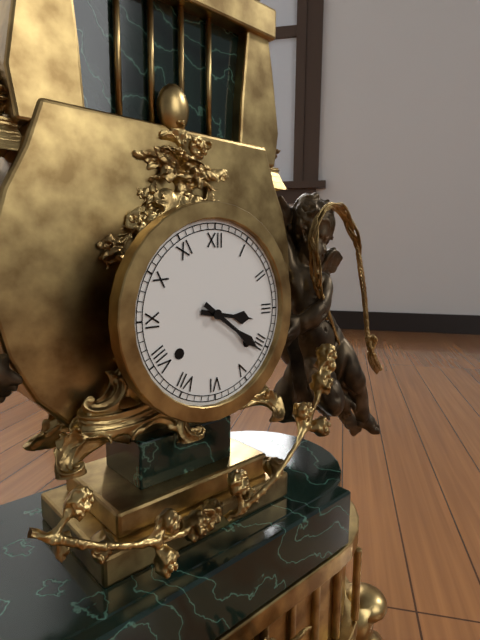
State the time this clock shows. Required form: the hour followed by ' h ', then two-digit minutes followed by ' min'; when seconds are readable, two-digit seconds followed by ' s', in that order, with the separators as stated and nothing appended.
3 h 21 min
